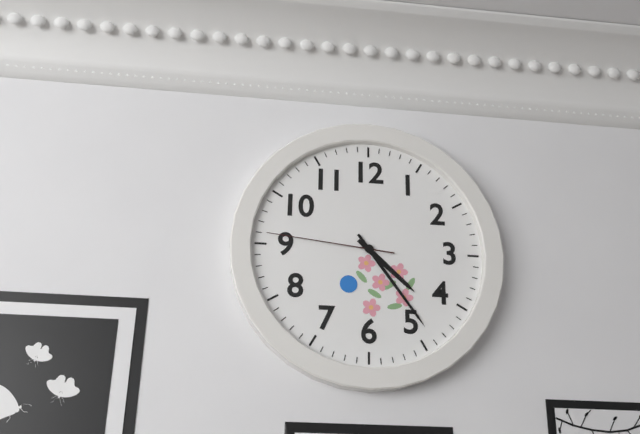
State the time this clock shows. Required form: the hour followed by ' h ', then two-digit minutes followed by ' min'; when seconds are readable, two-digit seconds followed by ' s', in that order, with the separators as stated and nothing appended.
4 h 24 min 46 s
